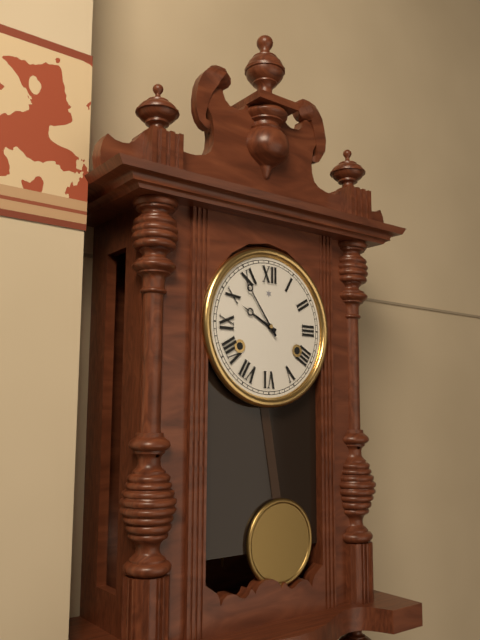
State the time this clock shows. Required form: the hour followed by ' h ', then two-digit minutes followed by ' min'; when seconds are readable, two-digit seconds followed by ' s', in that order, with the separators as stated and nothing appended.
9 h 54 min
